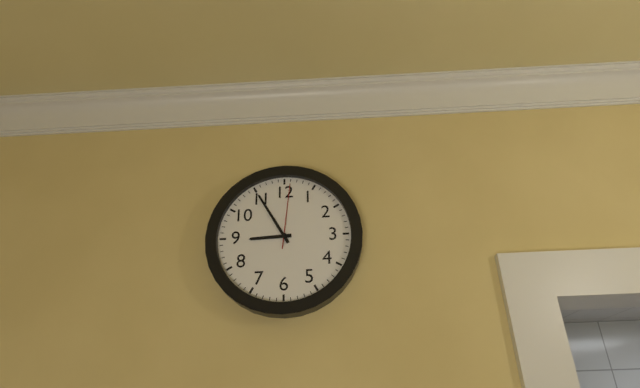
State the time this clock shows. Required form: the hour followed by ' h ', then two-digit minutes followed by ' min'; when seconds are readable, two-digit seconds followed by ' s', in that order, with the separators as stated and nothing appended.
8 h 55 min 01 s
